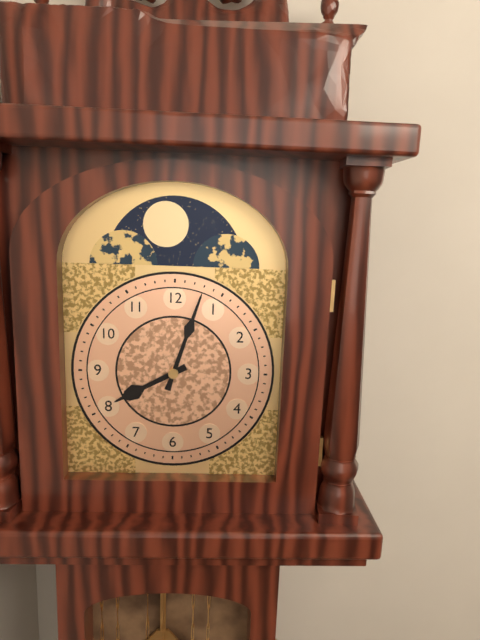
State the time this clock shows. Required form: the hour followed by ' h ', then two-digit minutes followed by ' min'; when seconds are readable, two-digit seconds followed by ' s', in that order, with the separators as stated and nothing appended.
8 h 03 min
